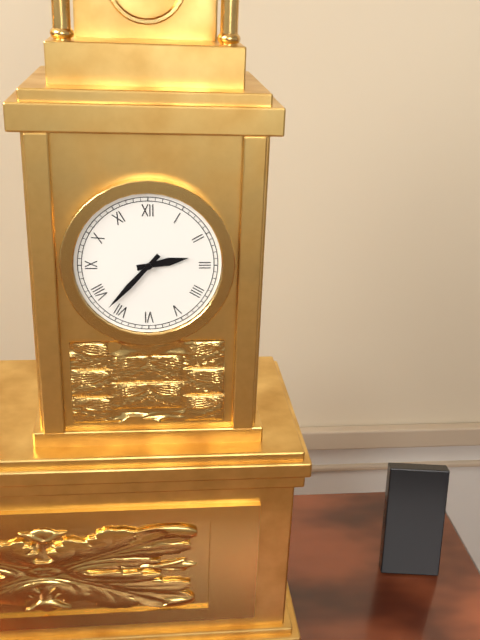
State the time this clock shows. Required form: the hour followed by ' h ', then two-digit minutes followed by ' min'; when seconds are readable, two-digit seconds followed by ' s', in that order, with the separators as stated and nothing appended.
2 h 37 min
